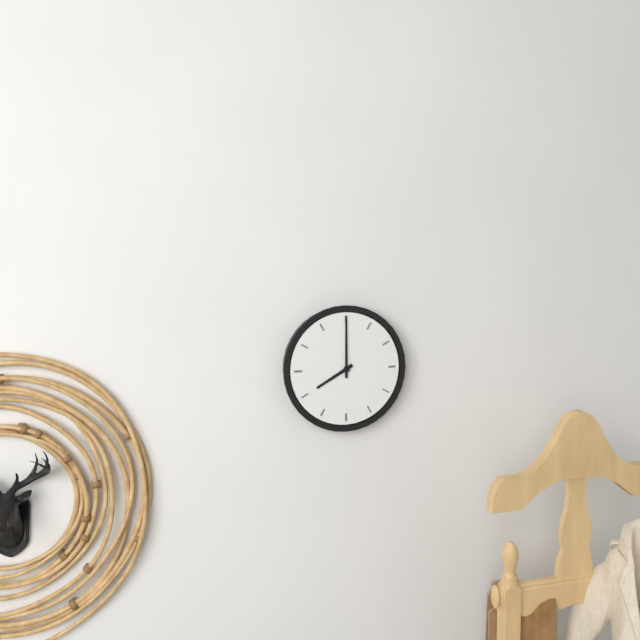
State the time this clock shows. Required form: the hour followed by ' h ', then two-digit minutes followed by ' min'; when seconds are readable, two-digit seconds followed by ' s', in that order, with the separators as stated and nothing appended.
8 h 00 min
